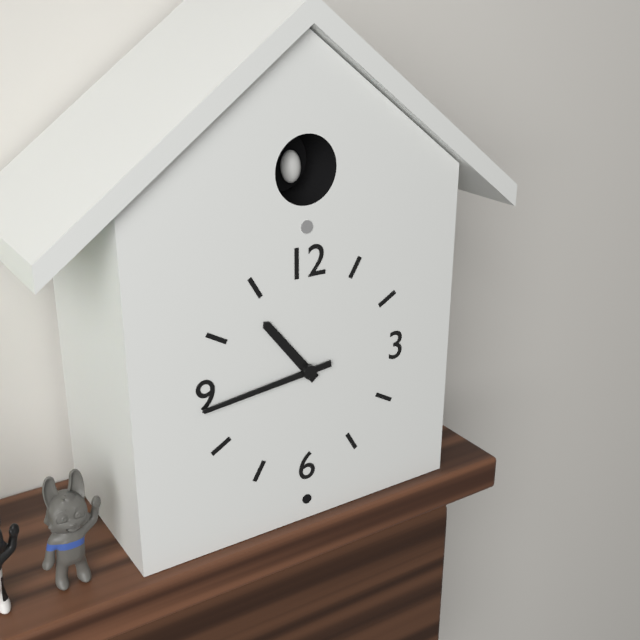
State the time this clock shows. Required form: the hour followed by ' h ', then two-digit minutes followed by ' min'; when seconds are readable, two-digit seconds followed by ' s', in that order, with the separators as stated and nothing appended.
10 h 44 min
